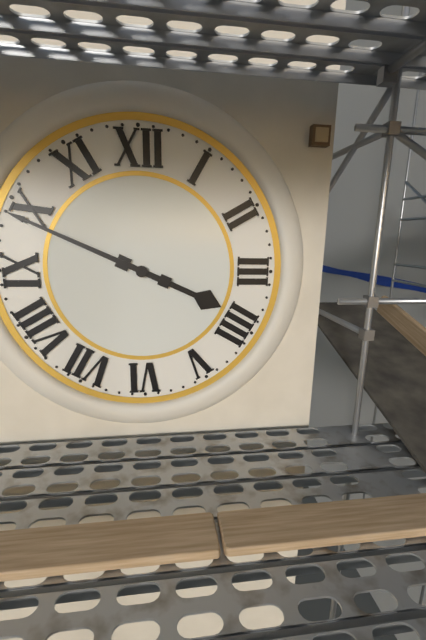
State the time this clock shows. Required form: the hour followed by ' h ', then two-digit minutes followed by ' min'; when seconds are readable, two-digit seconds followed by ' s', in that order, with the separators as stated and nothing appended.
3 h 49 min
